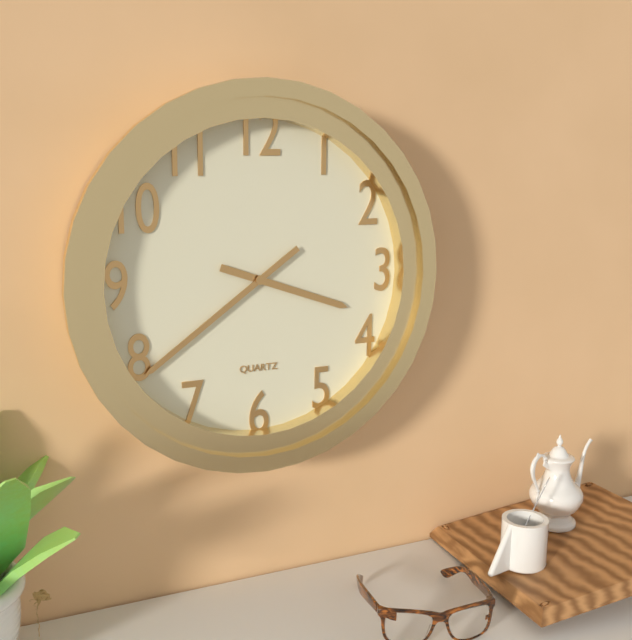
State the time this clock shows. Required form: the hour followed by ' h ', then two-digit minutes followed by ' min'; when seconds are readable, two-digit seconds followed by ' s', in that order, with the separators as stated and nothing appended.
3 h 39 min
